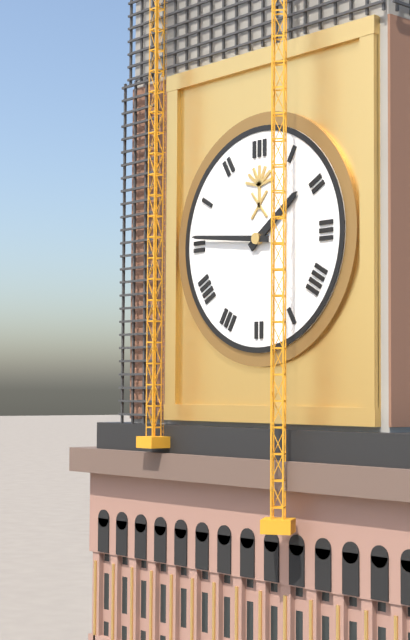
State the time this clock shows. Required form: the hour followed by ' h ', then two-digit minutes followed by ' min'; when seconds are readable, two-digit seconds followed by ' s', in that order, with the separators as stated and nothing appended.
1 h 46 min
